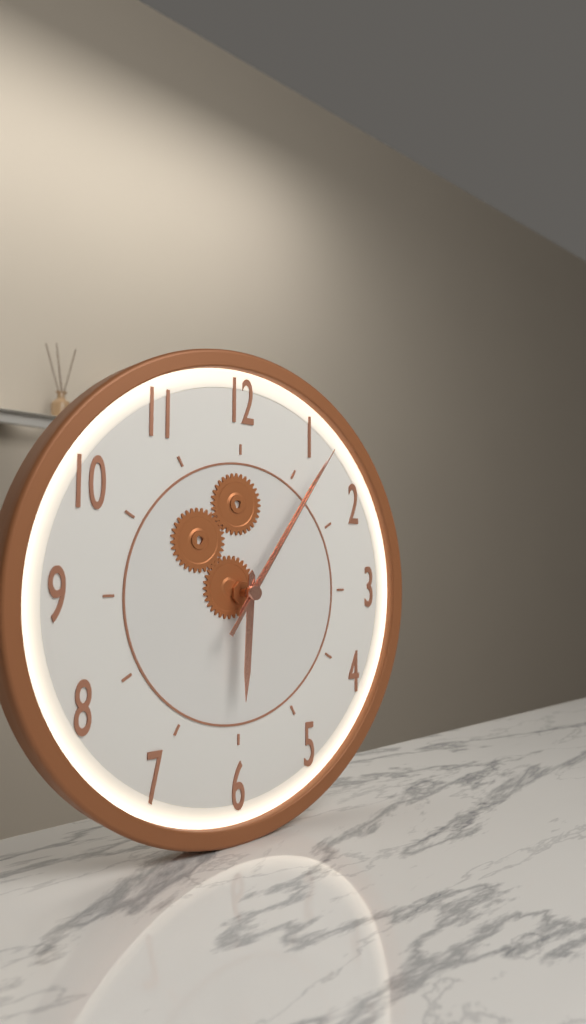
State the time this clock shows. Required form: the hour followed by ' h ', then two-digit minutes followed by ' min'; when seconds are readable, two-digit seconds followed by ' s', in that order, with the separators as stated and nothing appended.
6 h 06 min 06 s
